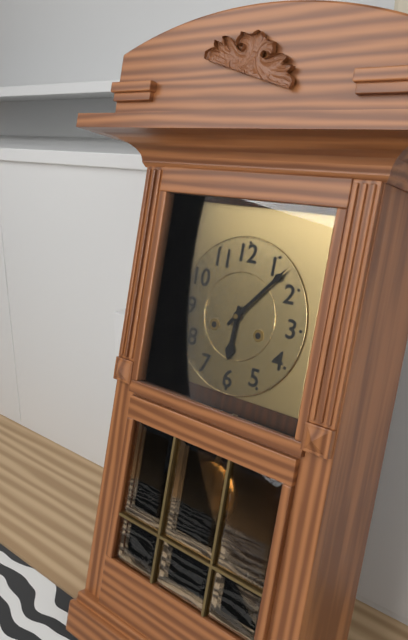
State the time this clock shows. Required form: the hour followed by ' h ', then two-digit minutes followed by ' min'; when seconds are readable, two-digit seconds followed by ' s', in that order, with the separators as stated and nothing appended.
6 h 07 min
